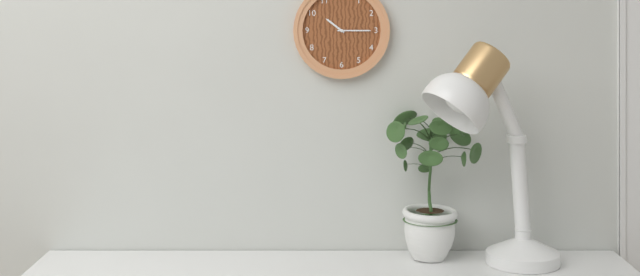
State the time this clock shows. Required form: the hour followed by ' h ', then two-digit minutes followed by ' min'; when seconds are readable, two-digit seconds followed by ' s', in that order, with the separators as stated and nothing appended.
10 h 15 min
